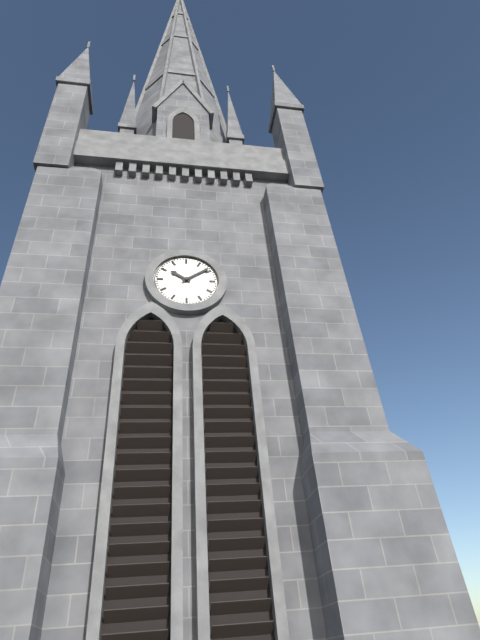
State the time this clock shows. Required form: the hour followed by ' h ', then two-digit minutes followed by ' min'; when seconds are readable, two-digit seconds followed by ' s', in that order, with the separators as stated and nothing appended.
10 h 09 min
